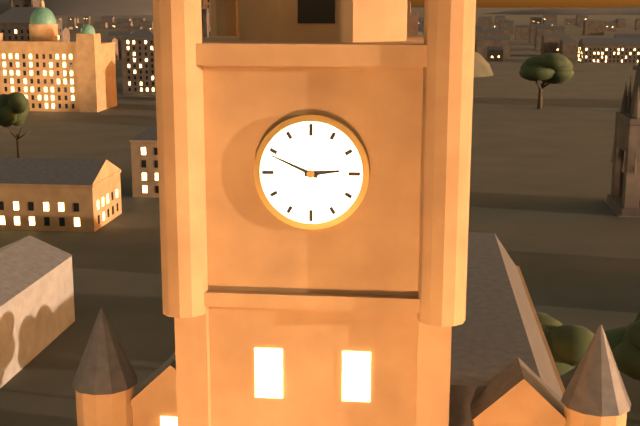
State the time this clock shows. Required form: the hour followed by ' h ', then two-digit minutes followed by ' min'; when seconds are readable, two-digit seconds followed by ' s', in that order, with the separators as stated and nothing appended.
2 h 49 min
